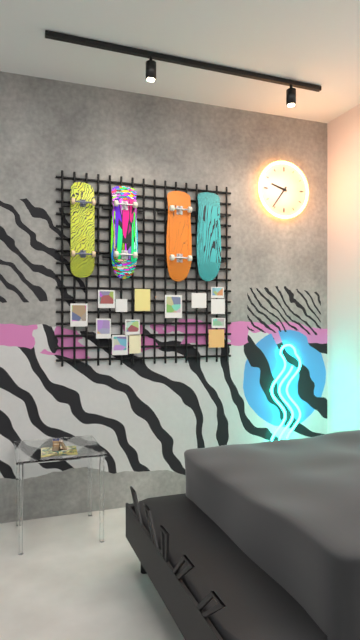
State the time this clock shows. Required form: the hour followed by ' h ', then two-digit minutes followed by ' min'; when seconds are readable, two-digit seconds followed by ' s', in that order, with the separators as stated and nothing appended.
9 h 36 min
